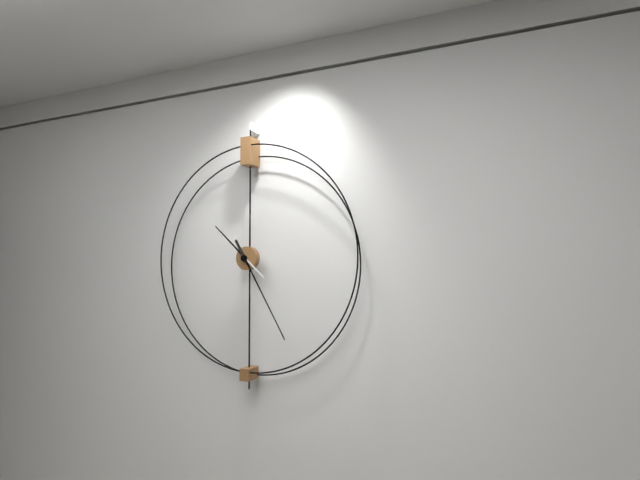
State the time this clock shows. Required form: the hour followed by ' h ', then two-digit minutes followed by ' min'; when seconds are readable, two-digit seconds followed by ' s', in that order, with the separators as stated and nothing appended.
10 h 25 min
